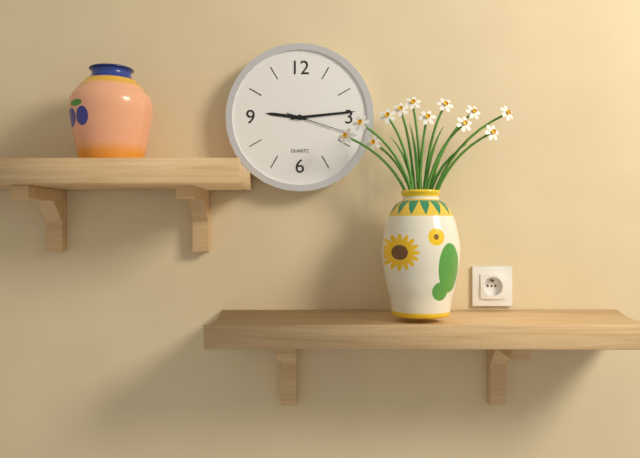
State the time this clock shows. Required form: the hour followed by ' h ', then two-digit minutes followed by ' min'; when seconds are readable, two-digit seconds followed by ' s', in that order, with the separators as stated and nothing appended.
9 h 14 min 18 s
